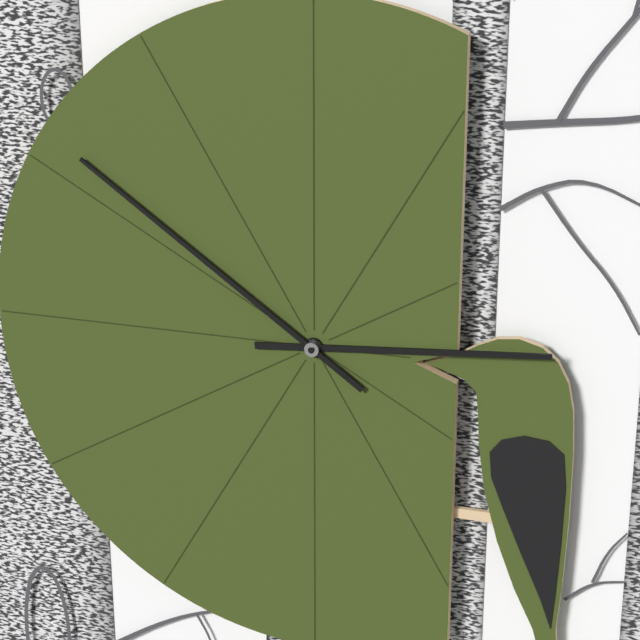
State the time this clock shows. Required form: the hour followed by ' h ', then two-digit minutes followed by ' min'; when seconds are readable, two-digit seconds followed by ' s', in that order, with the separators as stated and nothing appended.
2 h 51 min
